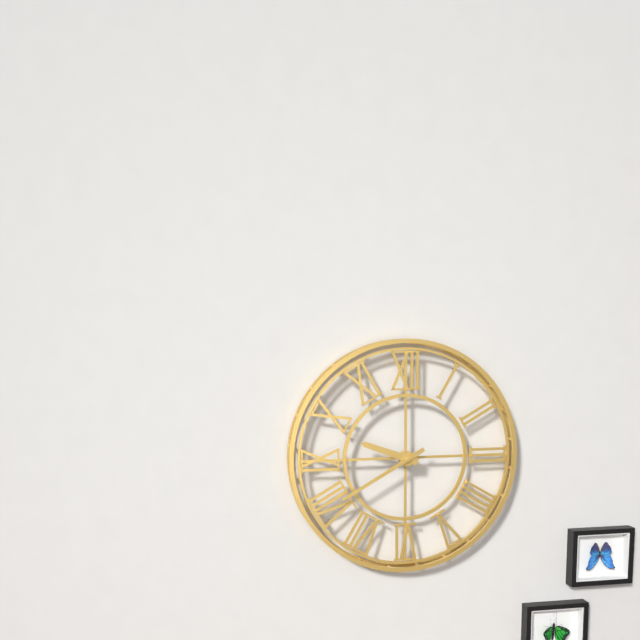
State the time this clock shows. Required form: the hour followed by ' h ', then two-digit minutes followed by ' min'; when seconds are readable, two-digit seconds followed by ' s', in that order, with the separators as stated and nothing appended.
9 h 40 min
